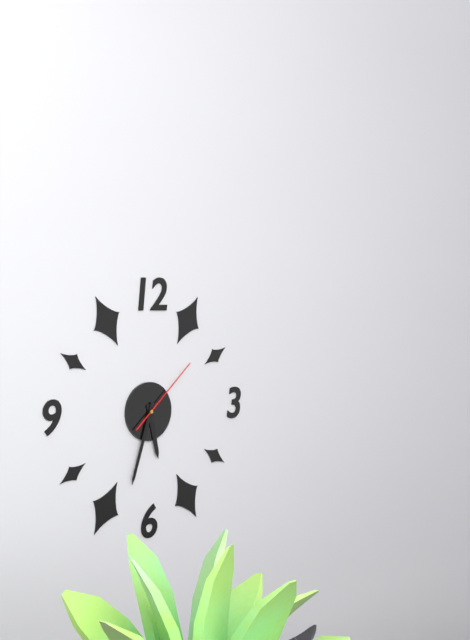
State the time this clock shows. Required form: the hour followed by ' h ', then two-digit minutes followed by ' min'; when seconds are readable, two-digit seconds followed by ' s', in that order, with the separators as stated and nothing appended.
5 h 33 min 08 s
